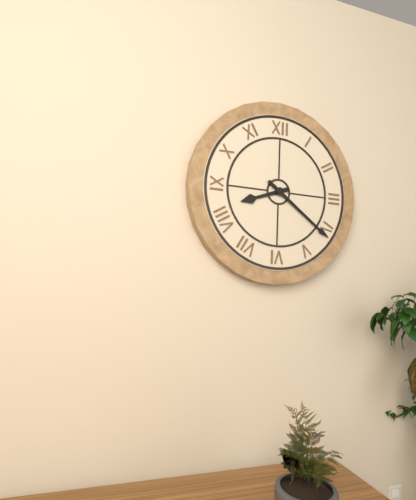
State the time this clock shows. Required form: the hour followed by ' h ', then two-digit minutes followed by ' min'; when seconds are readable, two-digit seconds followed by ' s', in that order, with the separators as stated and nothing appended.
8 h 21 min
